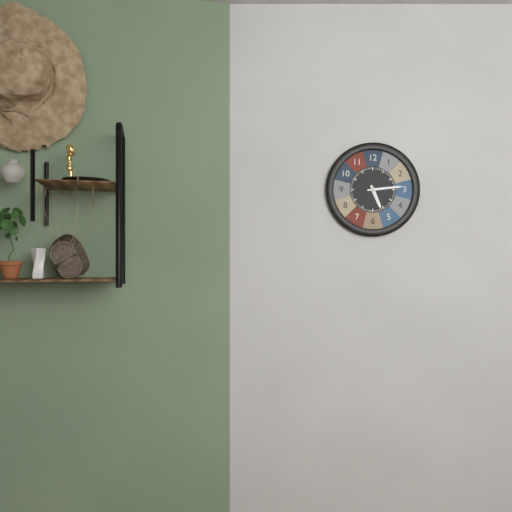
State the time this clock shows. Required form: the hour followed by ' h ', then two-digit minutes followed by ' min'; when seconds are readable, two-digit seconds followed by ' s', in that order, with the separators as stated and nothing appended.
5 h 14 min
